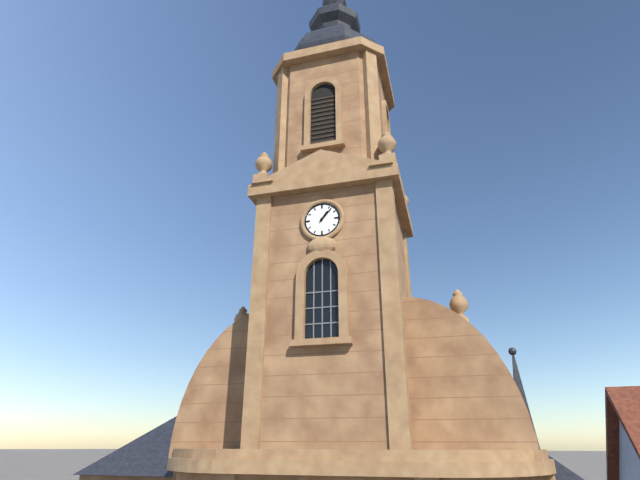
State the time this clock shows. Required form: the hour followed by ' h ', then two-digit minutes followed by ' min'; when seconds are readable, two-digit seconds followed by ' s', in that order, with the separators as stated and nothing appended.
1 h 07 min
